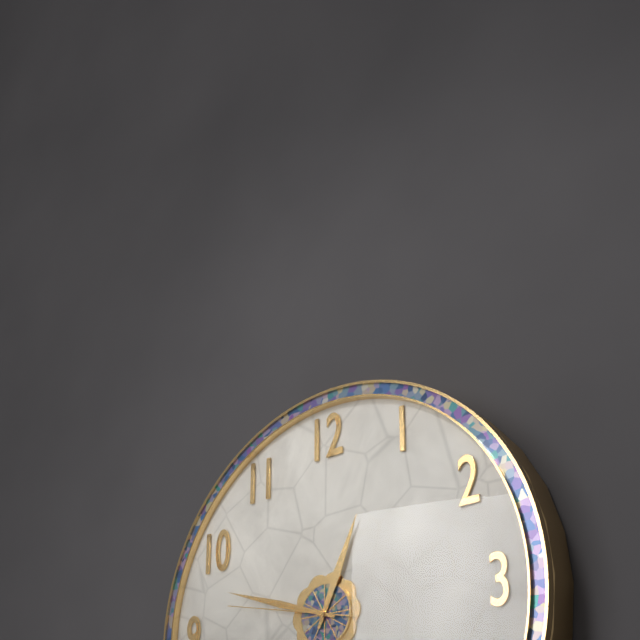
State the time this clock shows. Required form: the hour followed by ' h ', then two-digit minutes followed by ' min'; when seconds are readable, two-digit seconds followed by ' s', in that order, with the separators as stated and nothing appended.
12 h 48 min 47 s
